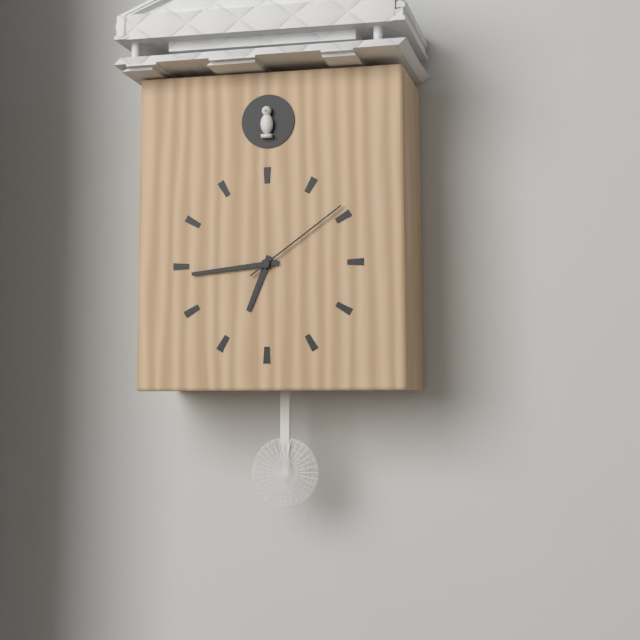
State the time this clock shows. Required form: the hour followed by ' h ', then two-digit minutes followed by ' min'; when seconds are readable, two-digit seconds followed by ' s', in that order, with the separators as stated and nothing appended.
6 h 44 min 09 s
